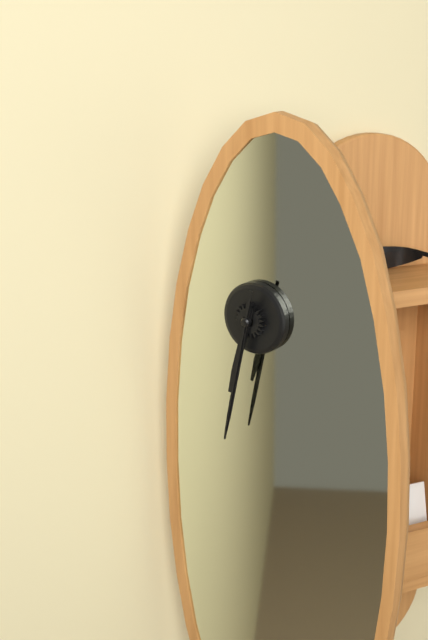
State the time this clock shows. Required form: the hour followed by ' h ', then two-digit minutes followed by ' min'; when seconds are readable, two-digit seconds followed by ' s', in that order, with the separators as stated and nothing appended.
6 h 32 min 32 s
